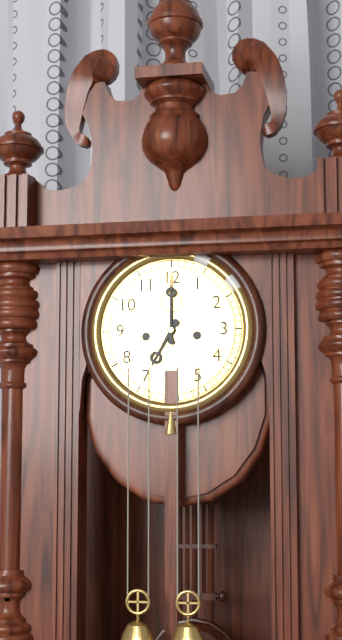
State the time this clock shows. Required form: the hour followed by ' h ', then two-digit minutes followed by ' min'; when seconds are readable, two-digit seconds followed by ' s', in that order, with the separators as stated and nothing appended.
7 h 00 min
